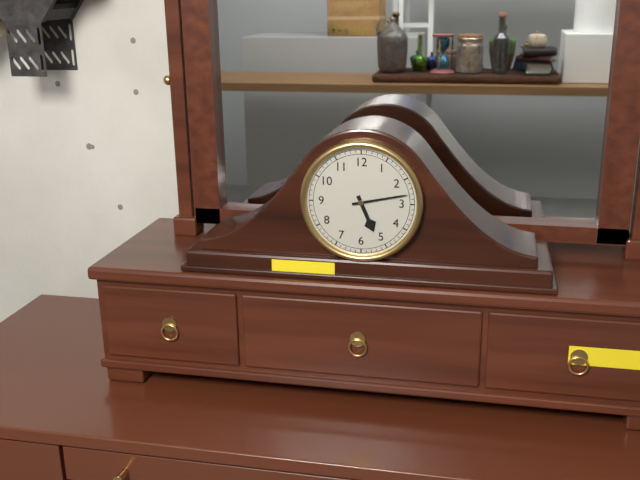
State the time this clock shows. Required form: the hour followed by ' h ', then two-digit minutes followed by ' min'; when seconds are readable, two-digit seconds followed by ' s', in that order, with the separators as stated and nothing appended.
5 h 13 min
